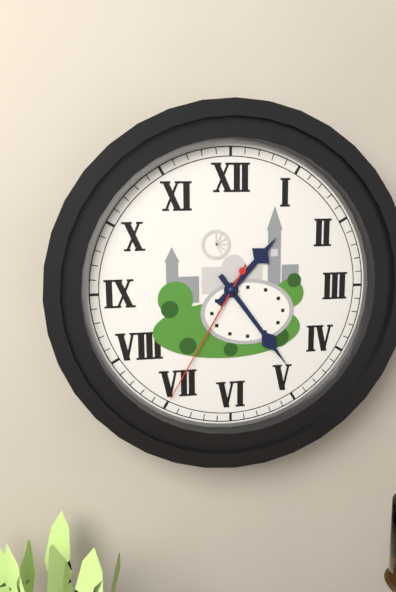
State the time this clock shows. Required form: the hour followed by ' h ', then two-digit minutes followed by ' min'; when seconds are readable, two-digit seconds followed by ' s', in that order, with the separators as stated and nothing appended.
1 h 24 min 35 s
